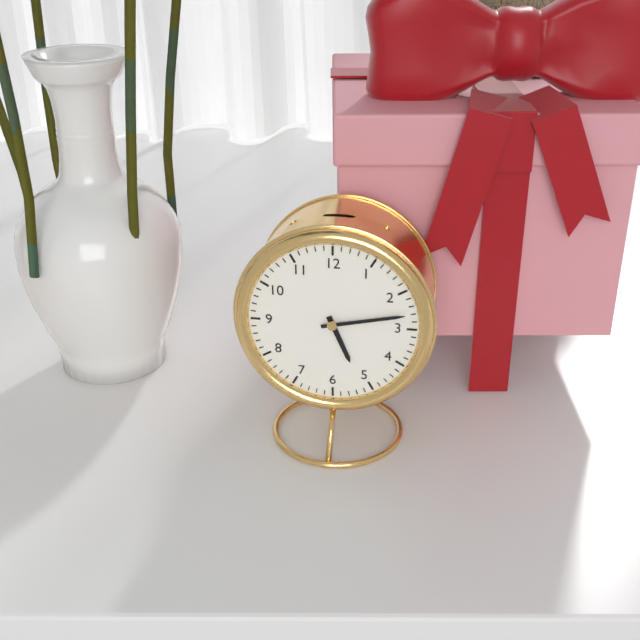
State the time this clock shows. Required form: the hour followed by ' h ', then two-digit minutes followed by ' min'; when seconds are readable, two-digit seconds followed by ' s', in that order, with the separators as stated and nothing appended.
5 h 13 min
